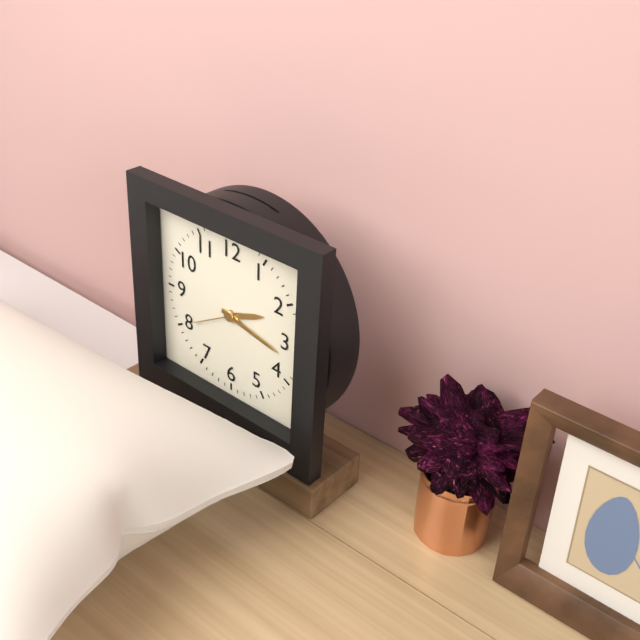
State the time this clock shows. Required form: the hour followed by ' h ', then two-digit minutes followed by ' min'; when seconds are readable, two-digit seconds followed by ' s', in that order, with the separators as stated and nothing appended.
2 h 17 min
